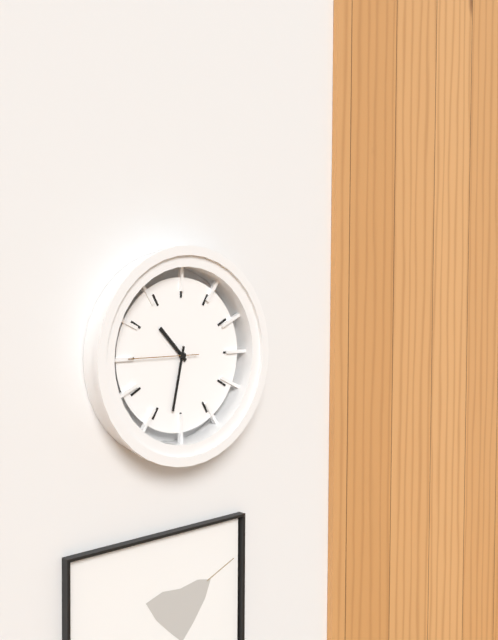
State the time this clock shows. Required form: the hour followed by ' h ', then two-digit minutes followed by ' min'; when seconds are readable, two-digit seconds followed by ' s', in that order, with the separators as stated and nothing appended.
10 h 32 min 45 s
